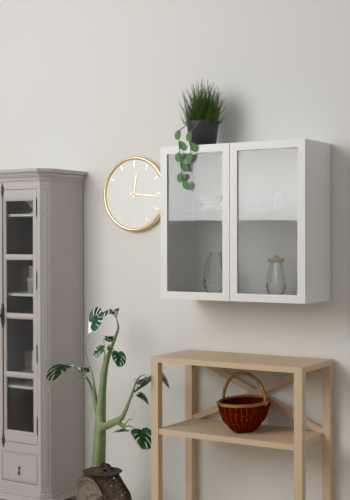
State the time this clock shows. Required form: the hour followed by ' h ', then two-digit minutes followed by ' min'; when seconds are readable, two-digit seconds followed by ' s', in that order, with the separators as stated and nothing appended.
12 h 16 min
